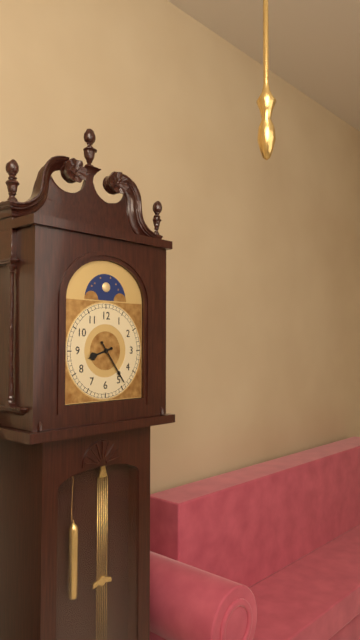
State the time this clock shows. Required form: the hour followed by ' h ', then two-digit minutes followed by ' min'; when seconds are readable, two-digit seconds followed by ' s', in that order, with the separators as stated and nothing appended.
8 h 24 min
